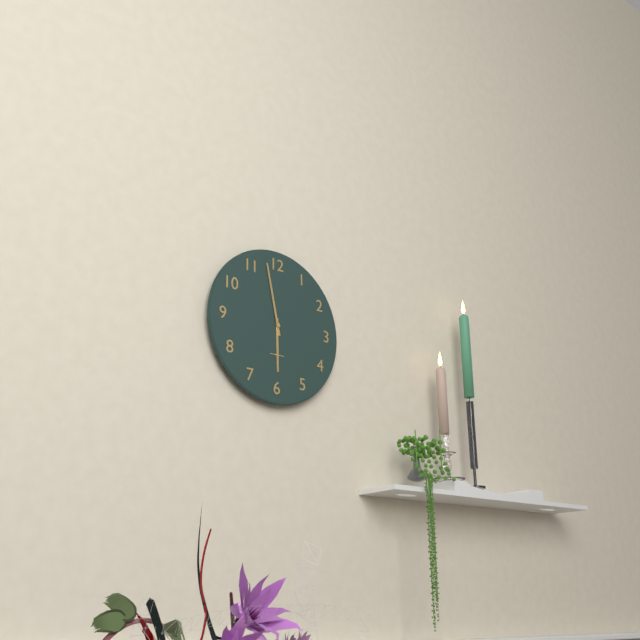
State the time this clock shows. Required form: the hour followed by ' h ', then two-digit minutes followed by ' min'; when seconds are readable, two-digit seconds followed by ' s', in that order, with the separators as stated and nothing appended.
5 h 58 min
